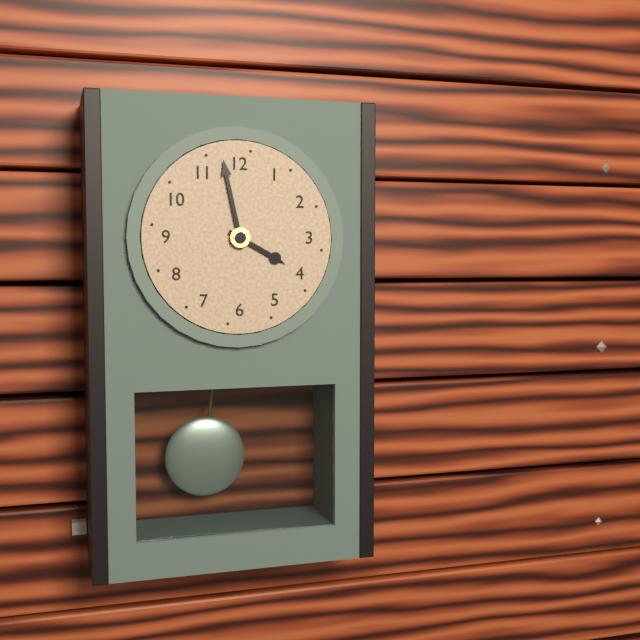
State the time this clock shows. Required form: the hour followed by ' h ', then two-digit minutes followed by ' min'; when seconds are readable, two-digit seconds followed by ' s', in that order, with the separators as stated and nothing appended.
3 h 58 min
